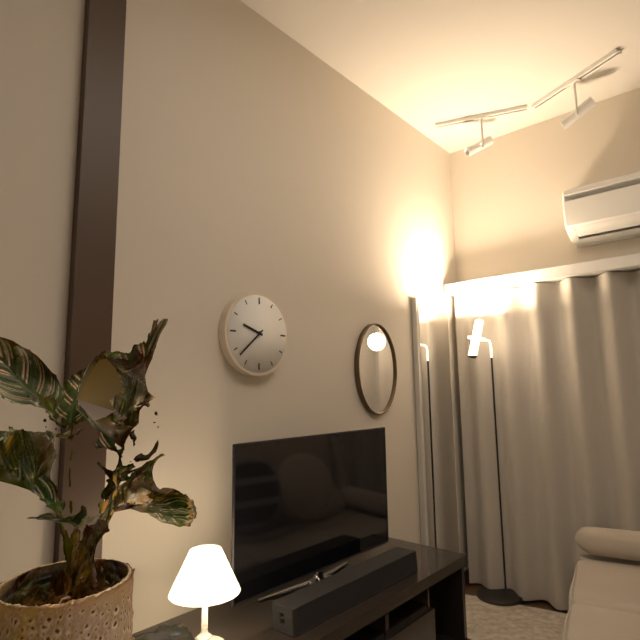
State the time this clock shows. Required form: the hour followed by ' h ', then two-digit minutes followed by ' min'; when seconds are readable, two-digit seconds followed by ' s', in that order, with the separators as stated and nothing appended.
9 h 38 min
